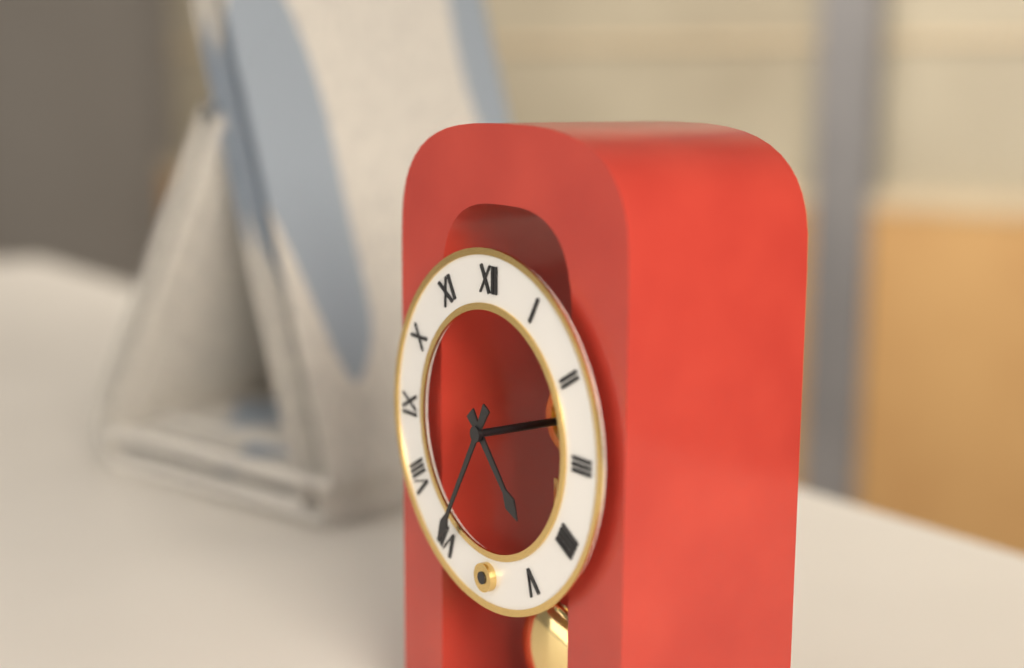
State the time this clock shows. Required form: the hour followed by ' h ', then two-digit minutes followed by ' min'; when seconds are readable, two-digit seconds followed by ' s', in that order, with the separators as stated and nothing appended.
4 h 35 min
